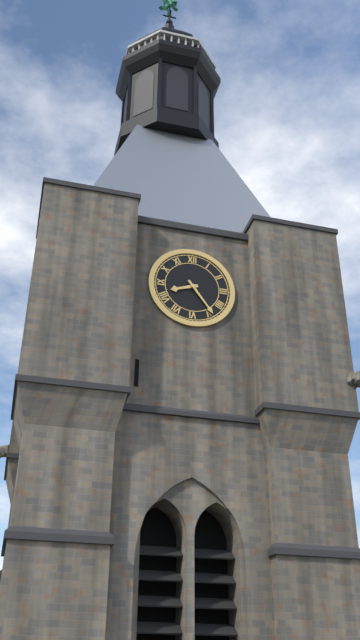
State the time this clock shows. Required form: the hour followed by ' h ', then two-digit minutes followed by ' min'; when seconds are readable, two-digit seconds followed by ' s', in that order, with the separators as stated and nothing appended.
8 h 24 min
